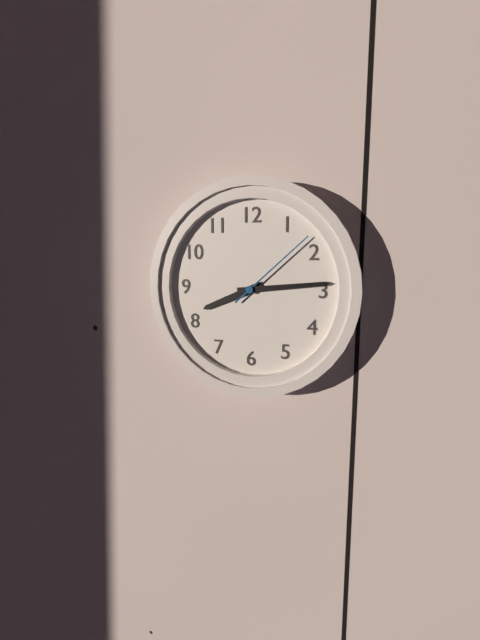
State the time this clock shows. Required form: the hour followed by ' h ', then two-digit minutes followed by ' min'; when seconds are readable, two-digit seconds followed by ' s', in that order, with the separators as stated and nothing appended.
8 h 14 min 08 s
